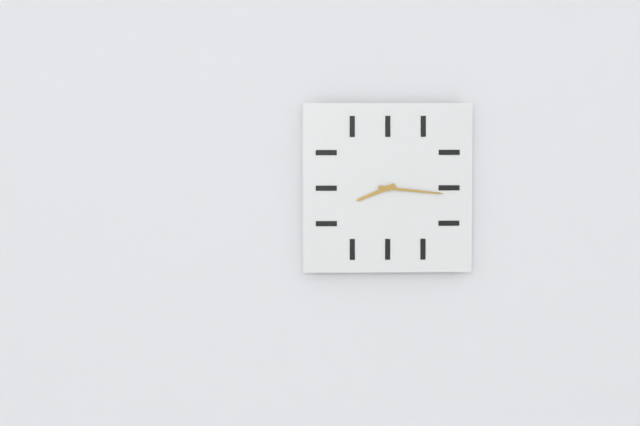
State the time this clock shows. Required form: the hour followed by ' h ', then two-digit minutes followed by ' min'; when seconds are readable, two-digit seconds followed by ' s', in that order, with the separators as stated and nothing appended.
8 h 16 min
